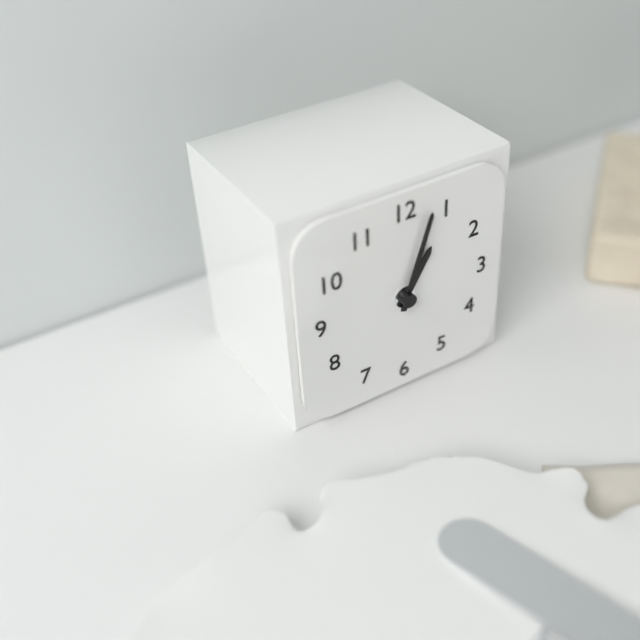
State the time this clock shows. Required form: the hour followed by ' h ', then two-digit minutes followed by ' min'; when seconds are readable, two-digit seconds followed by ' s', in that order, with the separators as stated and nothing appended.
1 h 03 min
